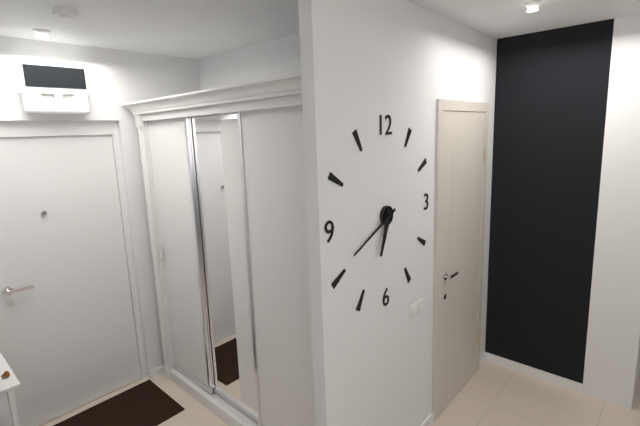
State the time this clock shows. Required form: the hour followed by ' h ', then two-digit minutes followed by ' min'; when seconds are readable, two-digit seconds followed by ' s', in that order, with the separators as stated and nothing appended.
6 h 41 min
